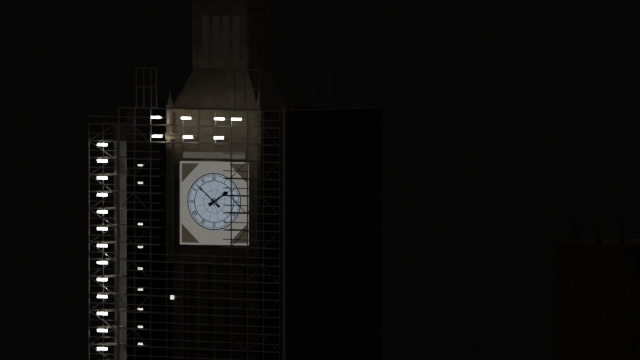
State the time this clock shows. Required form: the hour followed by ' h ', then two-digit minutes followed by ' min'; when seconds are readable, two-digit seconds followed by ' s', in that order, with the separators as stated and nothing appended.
1 h 52 min
